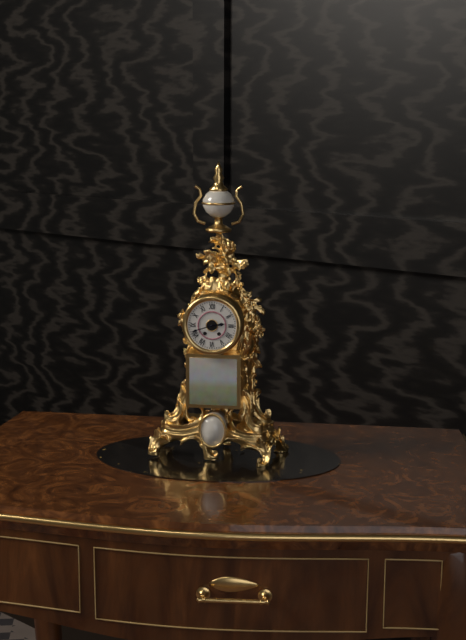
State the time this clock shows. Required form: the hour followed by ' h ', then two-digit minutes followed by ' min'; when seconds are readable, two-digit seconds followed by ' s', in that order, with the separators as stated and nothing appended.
2 h 42 min
